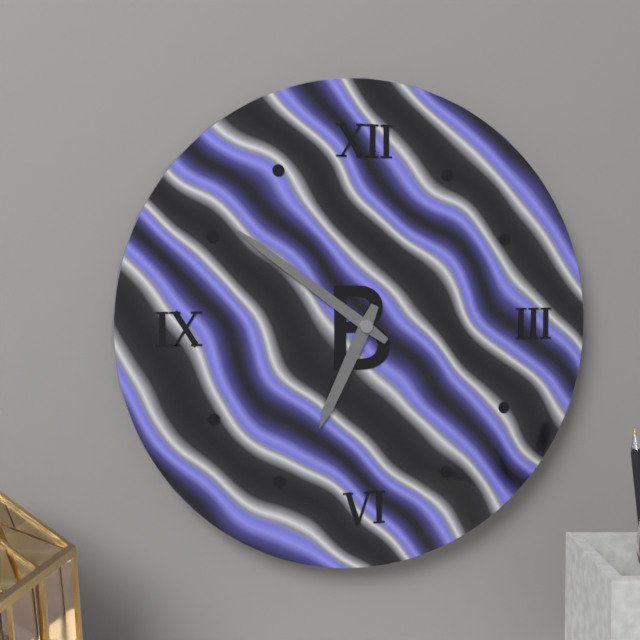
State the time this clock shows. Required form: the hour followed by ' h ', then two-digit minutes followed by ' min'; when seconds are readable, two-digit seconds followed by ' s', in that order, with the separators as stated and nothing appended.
6 h 51 min
